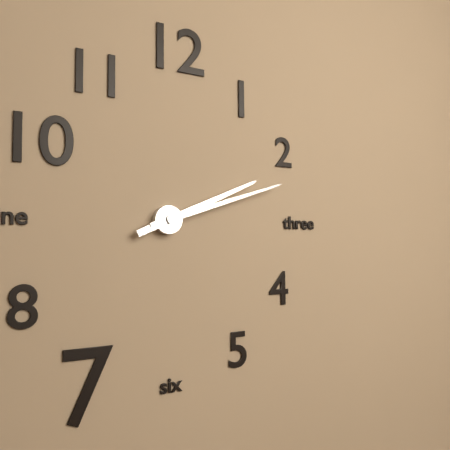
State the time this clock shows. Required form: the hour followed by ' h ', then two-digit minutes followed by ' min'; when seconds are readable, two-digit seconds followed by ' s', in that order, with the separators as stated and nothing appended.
2 h 12 min
